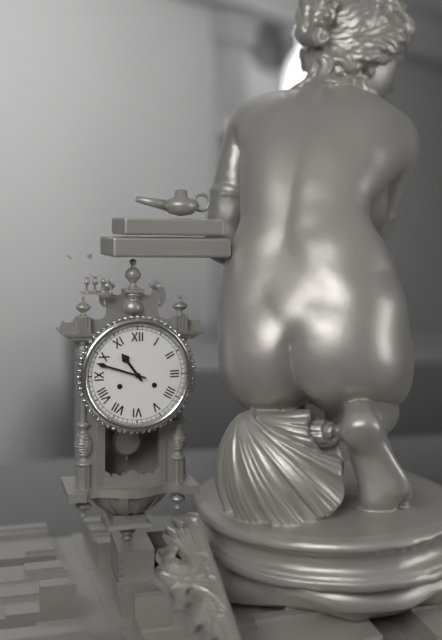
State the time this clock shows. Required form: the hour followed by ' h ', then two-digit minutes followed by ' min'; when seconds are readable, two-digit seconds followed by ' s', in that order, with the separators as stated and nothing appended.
10 h 48 min
